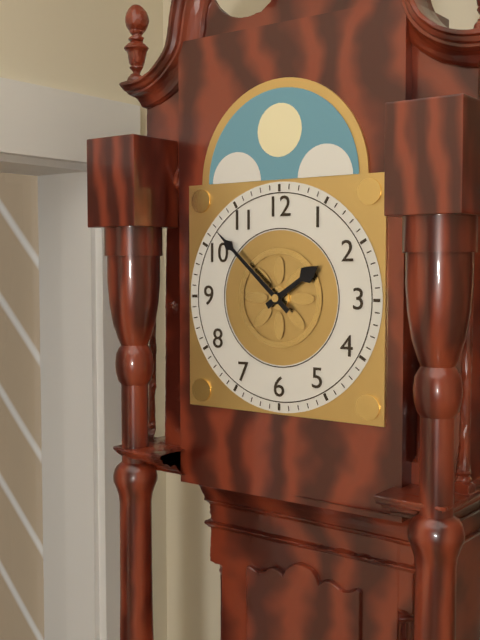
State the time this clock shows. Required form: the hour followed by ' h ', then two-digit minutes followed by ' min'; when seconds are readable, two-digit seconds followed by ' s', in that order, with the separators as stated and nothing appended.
1 h 52 min
